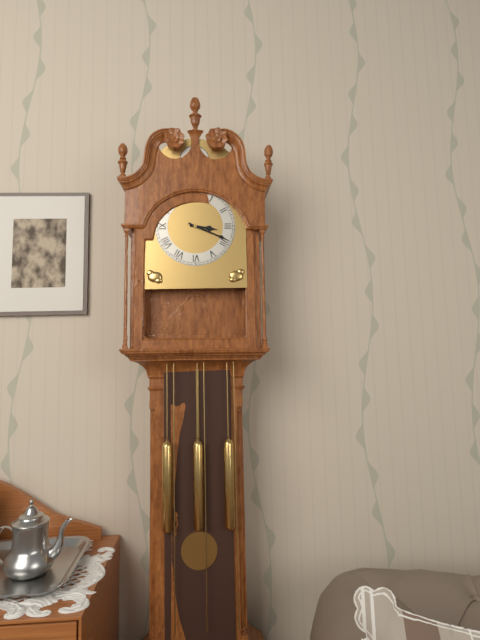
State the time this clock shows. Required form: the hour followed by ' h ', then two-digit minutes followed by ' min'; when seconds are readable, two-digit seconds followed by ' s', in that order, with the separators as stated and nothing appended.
3 h 19 min
